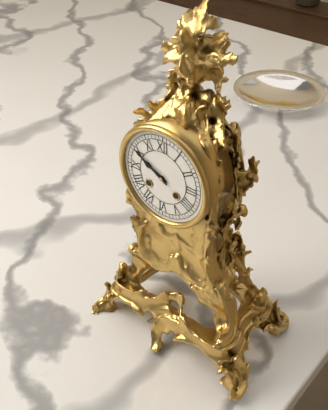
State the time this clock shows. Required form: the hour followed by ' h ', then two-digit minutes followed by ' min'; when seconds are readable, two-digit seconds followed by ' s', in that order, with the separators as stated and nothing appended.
9 h 50 min
